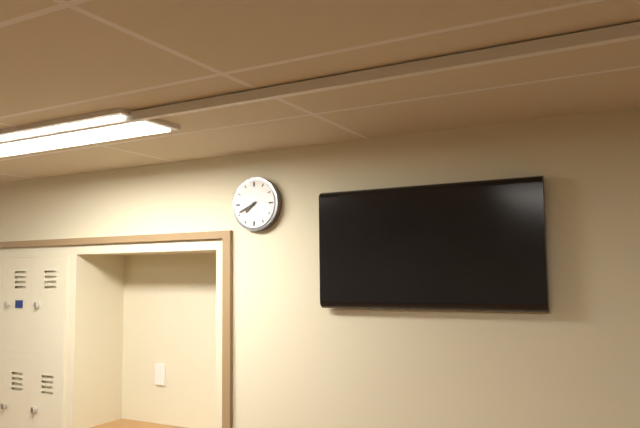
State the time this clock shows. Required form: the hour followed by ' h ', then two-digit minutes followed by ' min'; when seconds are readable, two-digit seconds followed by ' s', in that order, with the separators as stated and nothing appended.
7 h 41 min
